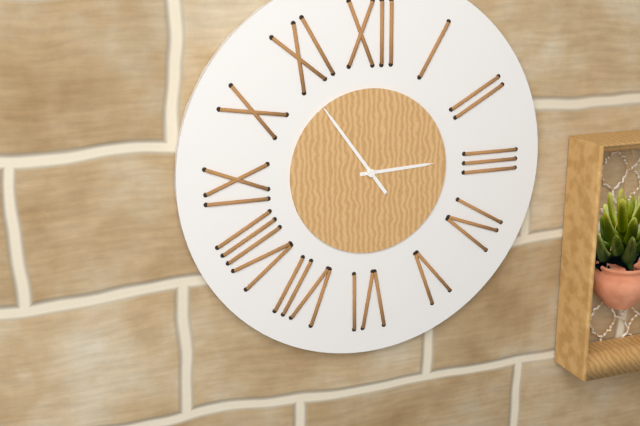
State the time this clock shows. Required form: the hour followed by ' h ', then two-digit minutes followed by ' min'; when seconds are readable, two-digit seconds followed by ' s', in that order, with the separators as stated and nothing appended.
2 h 54 min
